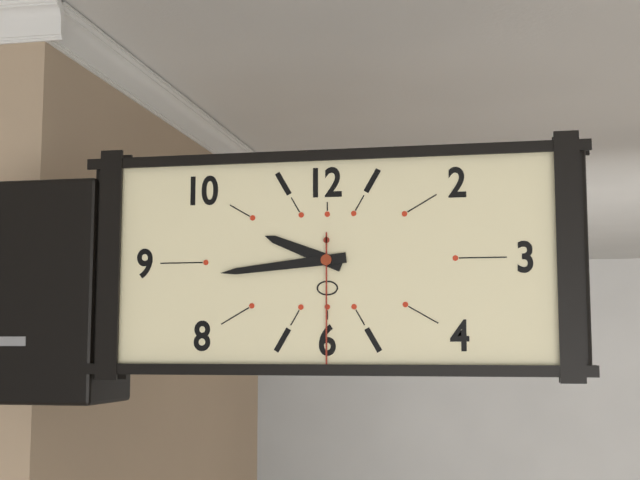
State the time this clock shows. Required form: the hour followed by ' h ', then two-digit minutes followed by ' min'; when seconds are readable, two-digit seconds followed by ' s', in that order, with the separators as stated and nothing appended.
9 h 44 min 30 s
